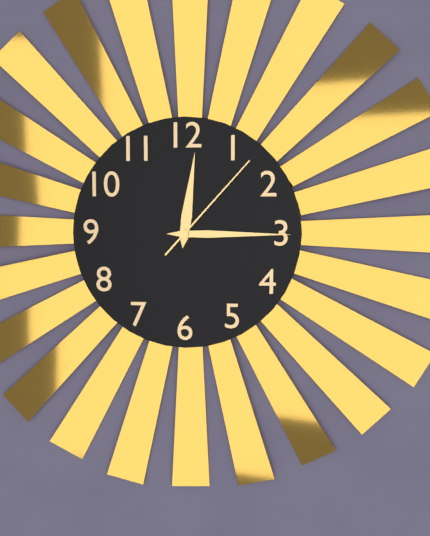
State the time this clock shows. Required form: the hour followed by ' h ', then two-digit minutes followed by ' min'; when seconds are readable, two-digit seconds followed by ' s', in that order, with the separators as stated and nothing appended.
12 h 15 min 07 s
